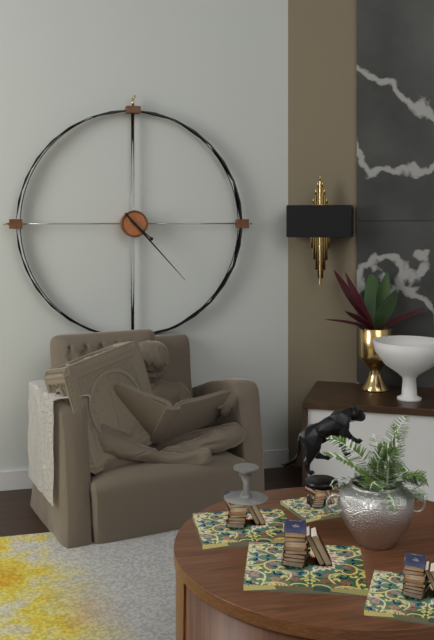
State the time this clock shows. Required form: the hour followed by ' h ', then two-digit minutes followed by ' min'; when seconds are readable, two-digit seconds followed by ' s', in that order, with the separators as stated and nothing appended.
4 h 23 min
